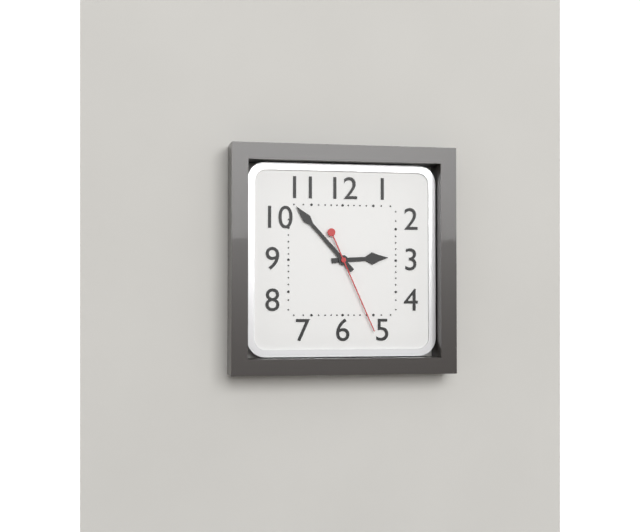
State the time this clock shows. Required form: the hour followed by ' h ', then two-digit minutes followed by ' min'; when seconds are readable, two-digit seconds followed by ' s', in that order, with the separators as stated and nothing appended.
2 h 53 min 26 s
